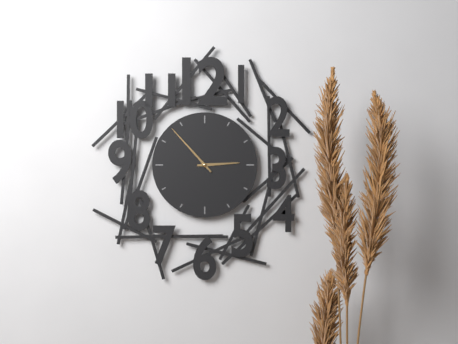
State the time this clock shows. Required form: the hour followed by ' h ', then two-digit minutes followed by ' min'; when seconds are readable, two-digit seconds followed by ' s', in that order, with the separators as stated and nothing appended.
2 h 53 min
